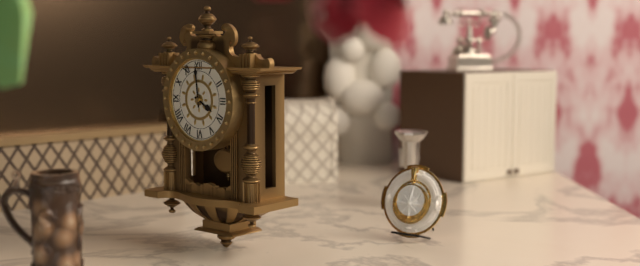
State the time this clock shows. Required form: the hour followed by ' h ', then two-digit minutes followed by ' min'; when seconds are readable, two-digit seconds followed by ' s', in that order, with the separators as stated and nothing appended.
3 h 59 min
